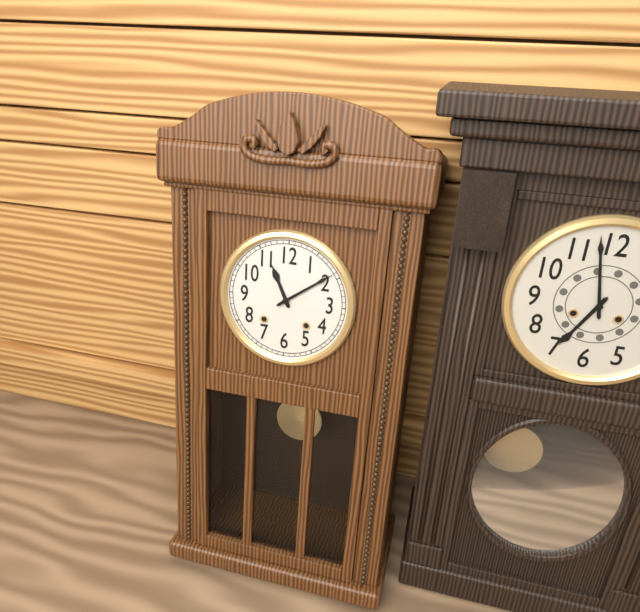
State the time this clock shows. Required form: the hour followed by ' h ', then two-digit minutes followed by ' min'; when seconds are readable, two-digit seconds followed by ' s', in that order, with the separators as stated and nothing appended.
11 h 09 min
